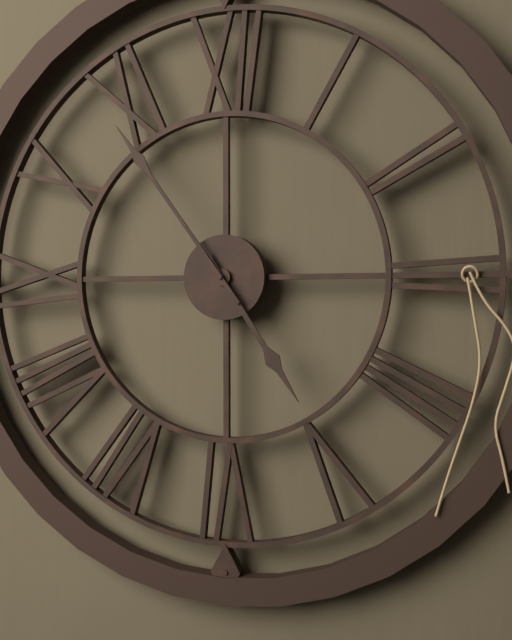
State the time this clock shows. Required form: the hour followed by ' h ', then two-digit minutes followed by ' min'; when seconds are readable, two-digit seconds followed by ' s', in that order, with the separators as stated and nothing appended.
4 h 54 min
